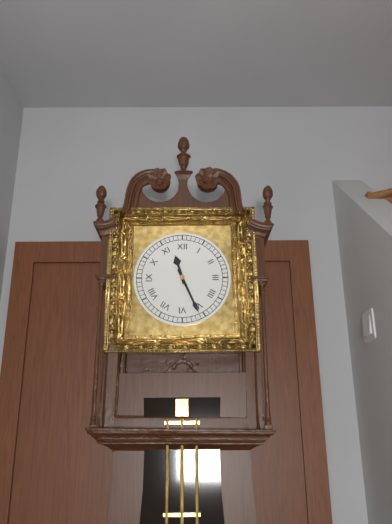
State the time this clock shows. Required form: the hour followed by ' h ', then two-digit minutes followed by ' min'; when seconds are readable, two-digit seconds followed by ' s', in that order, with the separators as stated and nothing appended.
11 h 26 min
